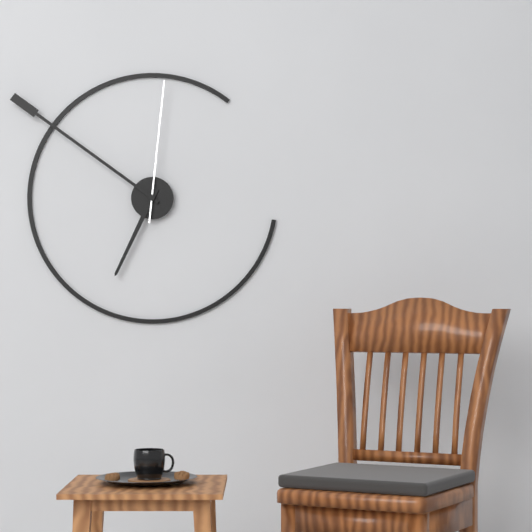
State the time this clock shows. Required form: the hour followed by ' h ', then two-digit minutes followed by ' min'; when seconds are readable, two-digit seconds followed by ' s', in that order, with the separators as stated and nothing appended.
6 h 51 min 01 s
